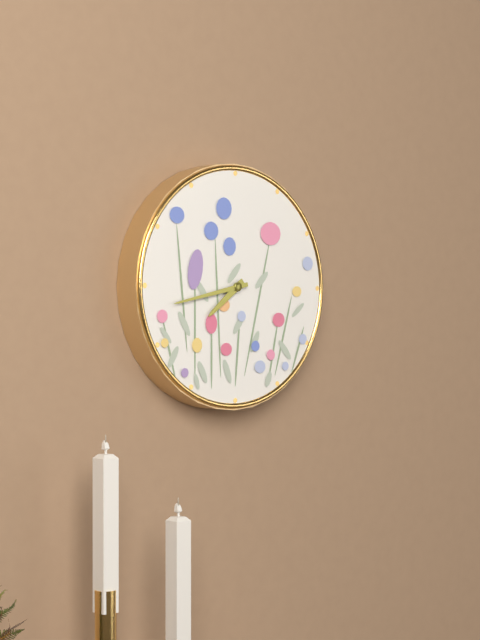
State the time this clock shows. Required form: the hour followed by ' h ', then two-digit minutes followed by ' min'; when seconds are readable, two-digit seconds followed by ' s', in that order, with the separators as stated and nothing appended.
7 h 43 min
